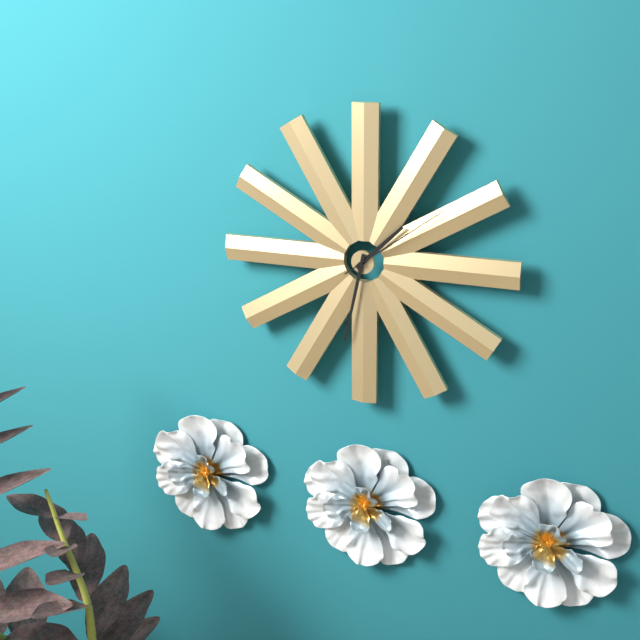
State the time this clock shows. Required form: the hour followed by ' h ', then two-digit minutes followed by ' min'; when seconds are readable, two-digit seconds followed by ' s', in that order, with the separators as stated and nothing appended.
1 h 32 min 09 s
